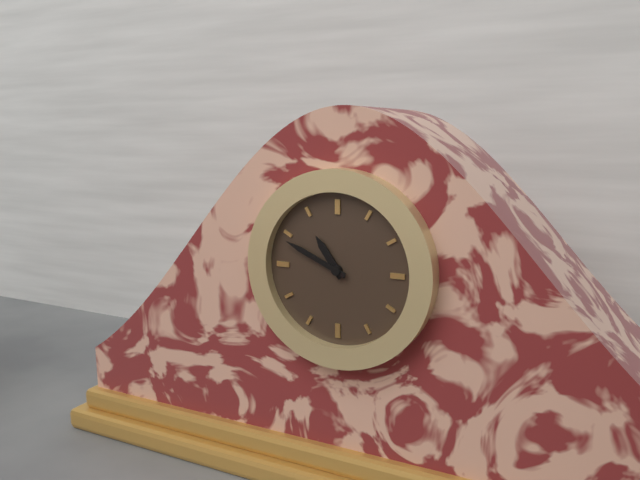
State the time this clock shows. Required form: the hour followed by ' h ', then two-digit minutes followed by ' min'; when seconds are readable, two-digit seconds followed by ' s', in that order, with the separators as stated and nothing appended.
10 h 49 min
